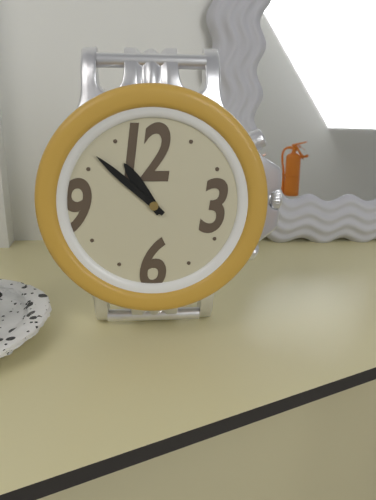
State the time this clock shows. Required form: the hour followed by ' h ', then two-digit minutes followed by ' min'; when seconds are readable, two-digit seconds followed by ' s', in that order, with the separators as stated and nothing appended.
10 h 52 min
